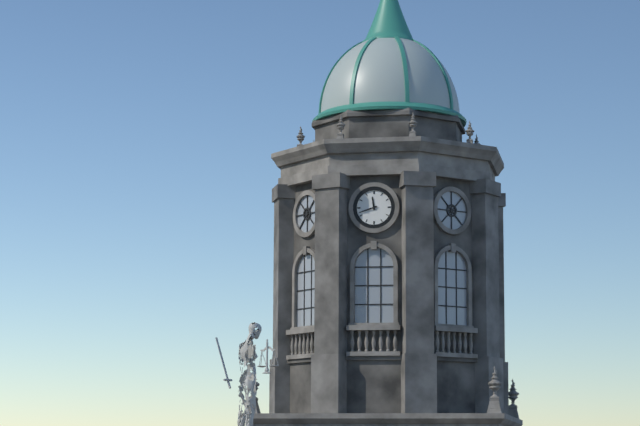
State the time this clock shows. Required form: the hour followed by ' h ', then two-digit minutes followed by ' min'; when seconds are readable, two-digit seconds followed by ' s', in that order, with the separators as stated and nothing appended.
11 h 42 min
